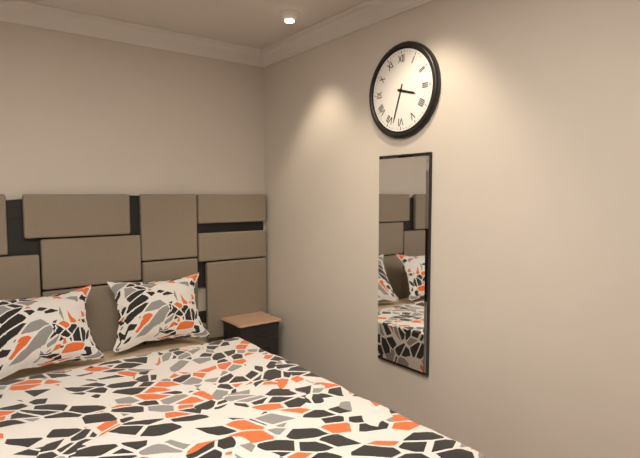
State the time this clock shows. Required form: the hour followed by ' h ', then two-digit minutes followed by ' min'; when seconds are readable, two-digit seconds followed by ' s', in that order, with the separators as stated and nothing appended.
3 h 33 min
